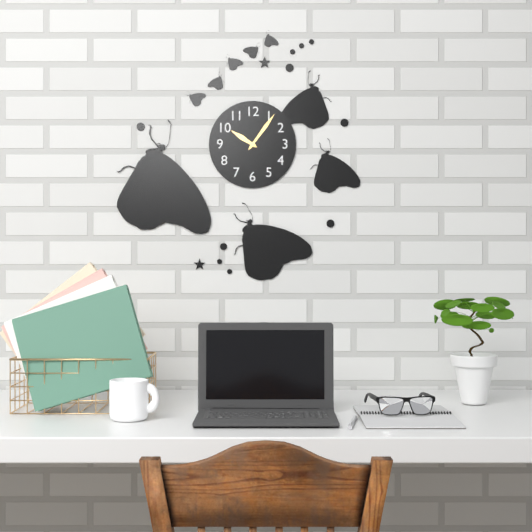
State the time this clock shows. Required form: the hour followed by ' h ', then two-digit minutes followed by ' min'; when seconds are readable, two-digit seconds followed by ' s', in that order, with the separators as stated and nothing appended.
10 h 06 min
